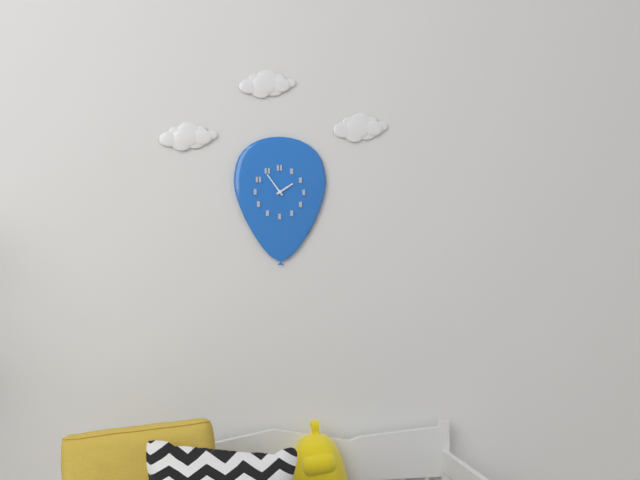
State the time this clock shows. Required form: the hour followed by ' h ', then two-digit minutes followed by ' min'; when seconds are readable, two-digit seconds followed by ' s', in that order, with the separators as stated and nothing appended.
1 h 54 min
